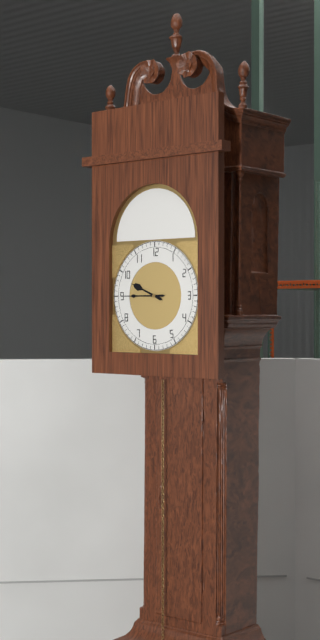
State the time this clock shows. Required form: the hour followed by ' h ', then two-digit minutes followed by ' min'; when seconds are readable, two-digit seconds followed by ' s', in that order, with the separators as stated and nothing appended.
9 h 45 min
